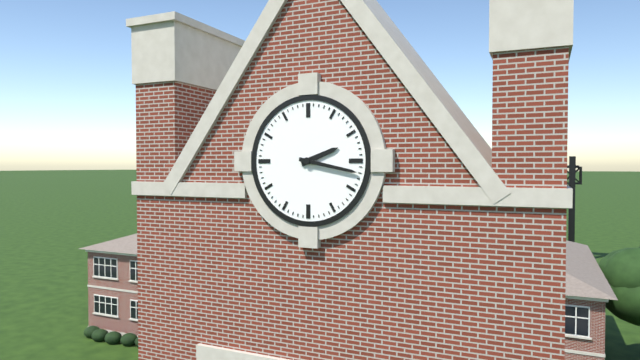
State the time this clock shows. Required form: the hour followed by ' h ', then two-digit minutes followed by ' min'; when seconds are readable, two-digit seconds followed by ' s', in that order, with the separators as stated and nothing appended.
2 h 17 min
